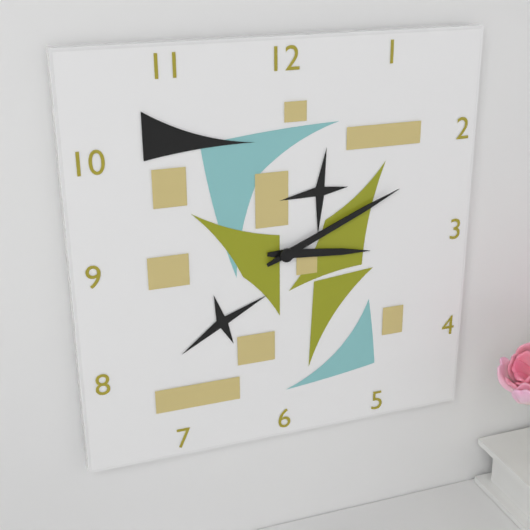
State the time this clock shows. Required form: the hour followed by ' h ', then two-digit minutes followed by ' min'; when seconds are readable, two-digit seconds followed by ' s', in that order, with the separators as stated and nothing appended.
3 h 11 min
